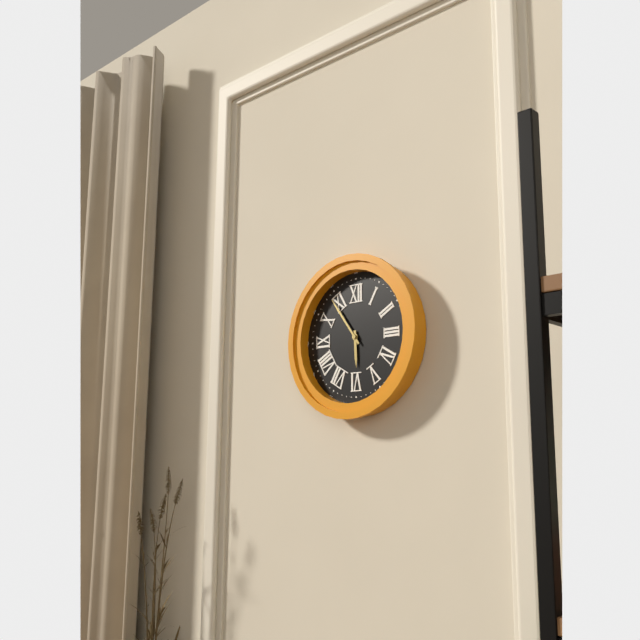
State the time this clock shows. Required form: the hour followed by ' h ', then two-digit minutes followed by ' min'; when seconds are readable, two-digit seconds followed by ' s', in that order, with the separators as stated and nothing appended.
5 h 54 min
